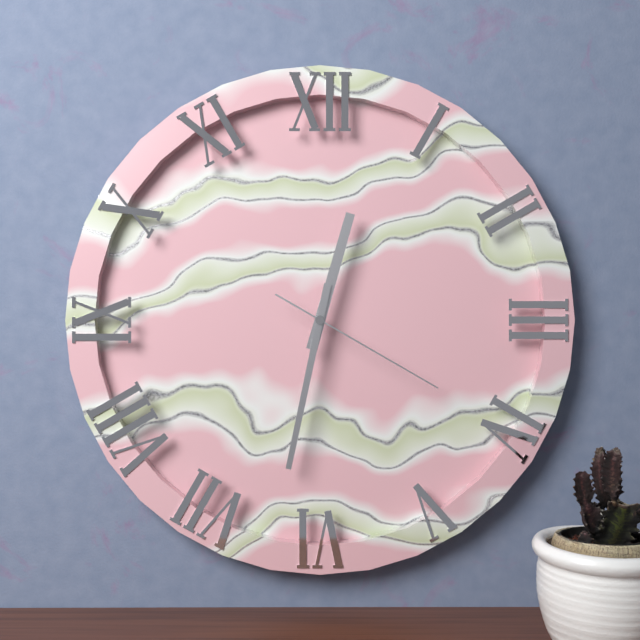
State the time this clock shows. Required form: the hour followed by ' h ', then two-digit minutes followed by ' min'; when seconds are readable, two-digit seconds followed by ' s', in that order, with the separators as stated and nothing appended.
12 h 32 min 20 s
